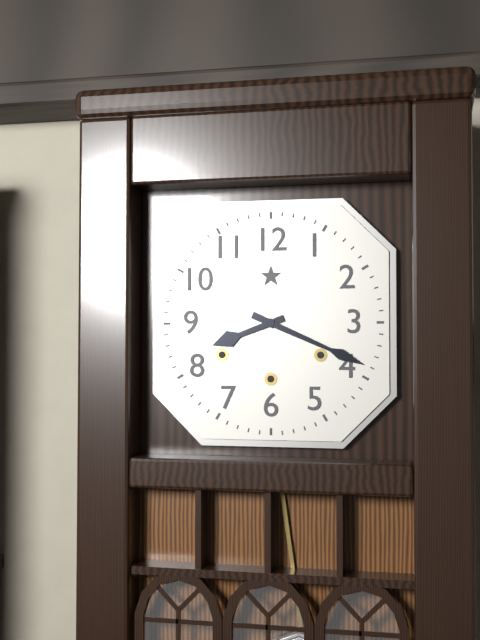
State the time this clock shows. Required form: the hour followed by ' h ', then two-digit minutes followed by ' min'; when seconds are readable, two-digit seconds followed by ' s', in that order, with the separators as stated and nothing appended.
8 h 19 min
